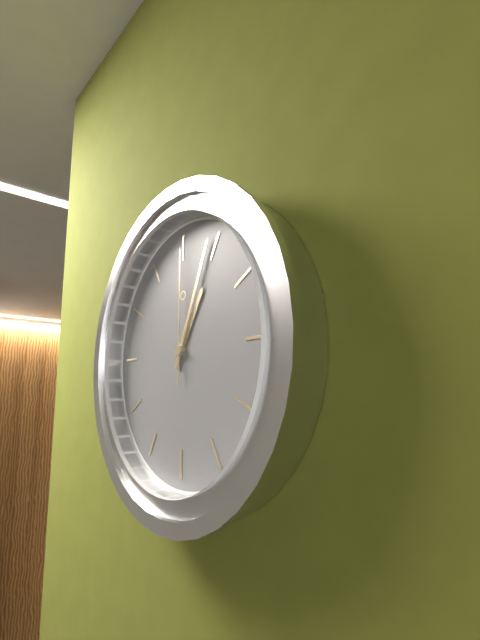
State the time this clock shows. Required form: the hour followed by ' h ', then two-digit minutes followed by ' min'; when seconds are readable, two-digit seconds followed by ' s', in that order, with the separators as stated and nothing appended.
1 h 04 min 00 s
